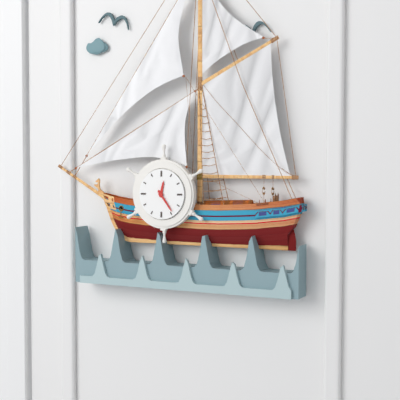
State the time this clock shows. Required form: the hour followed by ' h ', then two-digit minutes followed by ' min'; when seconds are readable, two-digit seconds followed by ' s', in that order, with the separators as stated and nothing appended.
12 h 24 min
